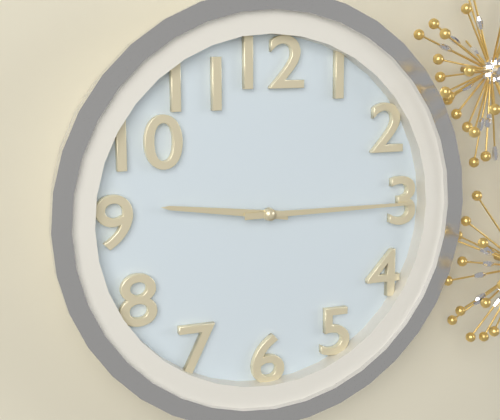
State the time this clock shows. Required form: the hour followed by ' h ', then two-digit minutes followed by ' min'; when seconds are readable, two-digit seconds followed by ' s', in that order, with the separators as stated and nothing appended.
9 h 15 min
